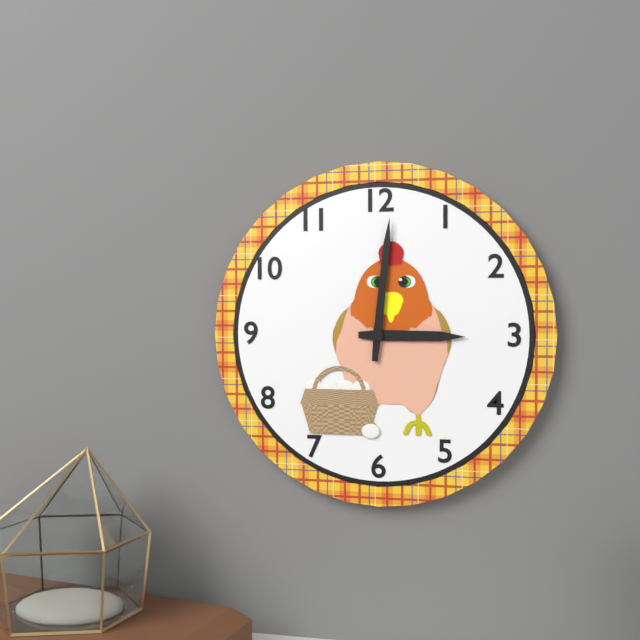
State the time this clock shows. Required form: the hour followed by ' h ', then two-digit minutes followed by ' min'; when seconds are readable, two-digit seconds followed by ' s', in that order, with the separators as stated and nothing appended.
3 h 01 min
